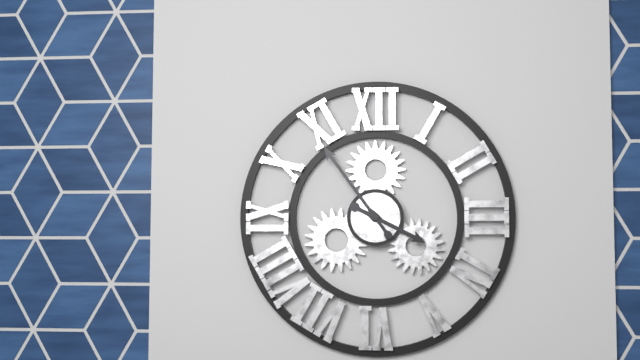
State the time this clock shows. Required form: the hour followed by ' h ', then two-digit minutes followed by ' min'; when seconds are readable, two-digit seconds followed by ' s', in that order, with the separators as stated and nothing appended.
3 h 54 min
